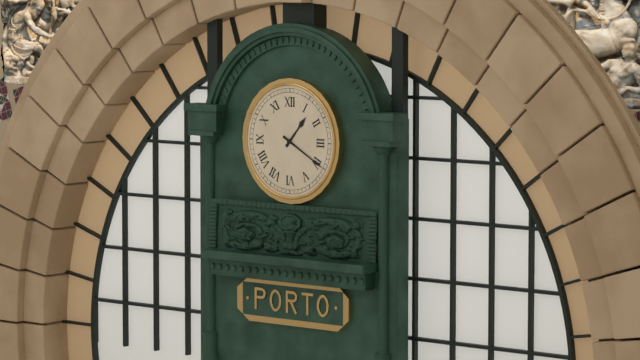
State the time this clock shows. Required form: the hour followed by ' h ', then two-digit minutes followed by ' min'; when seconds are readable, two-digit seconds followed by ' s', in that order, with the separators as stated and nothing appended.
1 h 20 min
